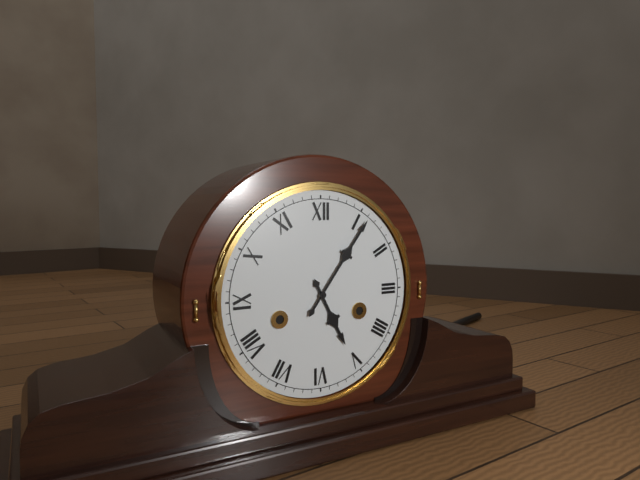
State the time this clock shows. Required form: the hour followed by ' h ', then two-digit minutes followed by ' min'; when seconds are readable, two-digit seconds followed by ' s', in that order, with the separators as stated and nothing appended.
5 h 06 min
